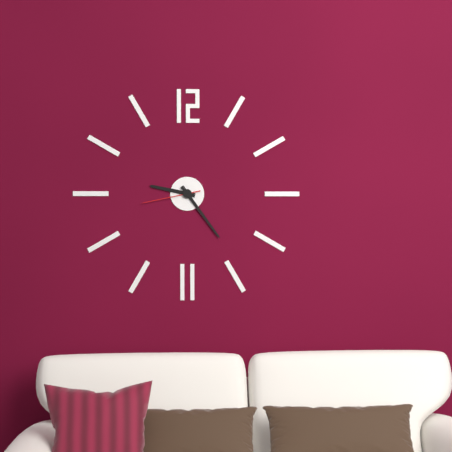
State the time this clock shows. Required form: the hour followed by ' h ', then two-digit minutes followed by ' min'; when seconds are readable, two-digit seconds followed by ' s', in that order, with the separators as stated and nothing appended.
9 h 24 min 43 s
